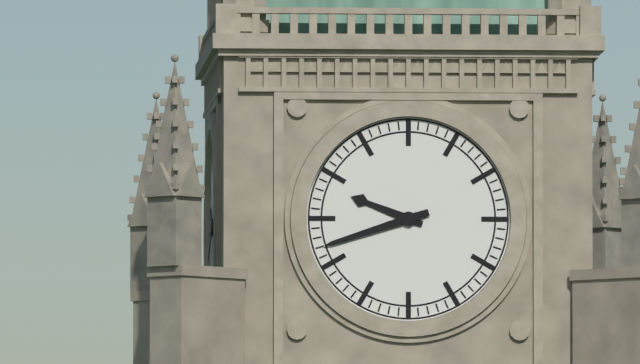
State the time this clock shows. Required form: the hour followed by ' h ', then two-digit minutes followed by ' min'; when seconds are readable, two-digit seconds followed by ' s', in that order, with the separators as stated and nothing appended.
9 h 42 min
